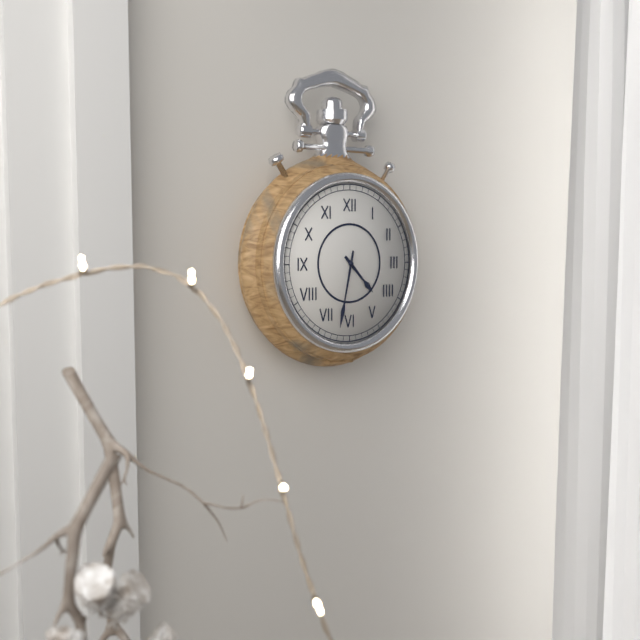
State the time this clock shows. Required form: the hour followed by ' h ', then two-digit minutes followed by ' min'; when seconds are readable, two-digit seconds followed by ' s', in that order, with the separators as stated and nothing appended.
4 h 32 min
